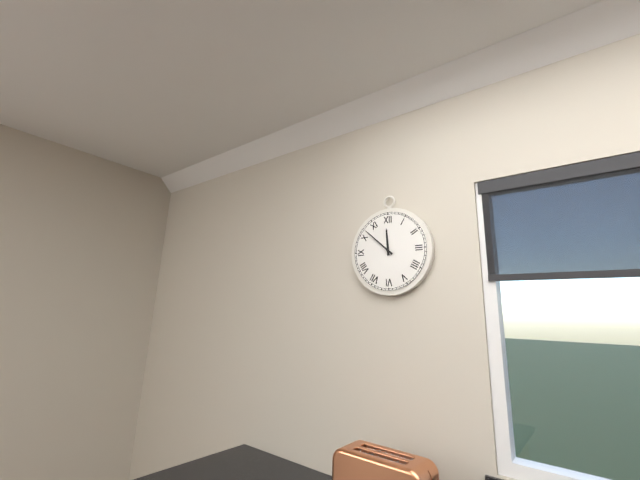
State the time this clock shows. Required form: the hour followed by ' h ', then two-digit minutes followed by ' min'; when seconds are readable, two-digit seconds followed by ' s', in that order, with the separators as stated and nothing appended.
11 h 52 min
